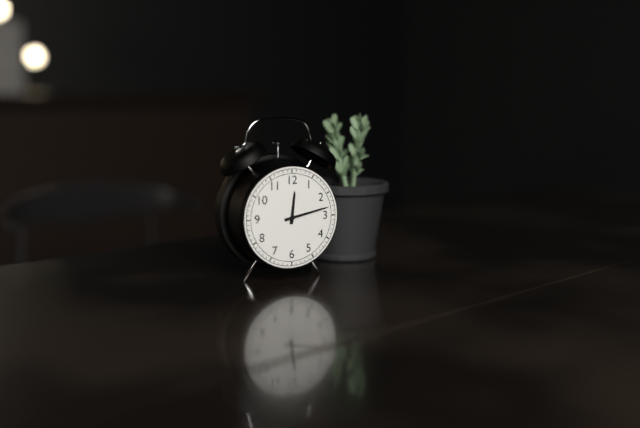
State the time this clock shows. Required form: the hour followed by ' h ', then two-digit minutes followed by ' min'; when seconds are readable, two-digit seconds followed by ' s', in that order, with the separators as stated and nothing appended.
12 h 13 min
